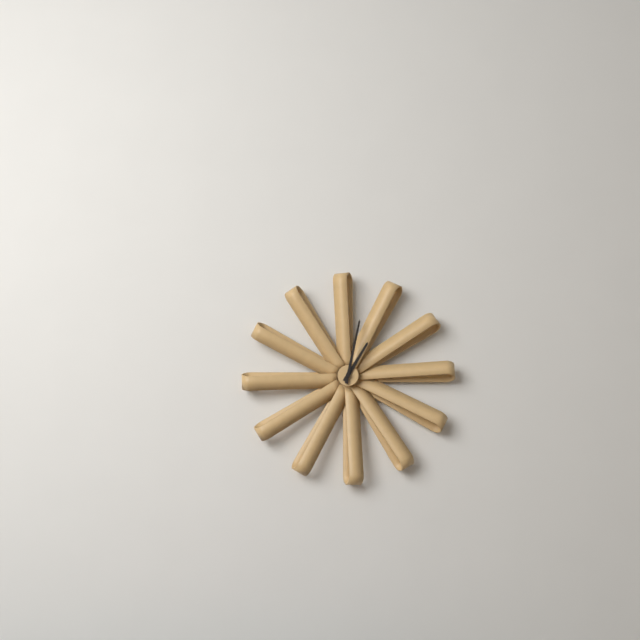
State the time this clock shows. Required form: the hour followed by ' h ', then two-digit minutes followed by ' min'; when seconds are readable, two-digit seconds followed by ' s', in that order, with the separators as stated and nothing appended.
1 h 02 min
